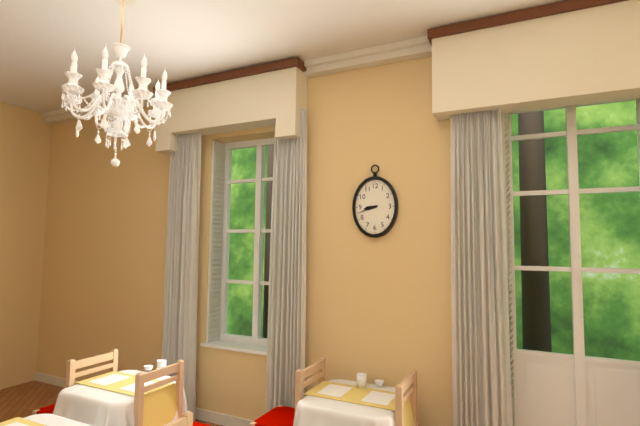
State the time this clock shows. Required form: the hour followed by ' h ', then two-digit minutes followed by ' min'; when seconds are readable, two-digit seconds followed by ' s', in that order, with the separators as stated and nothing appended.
8 h 42 min
